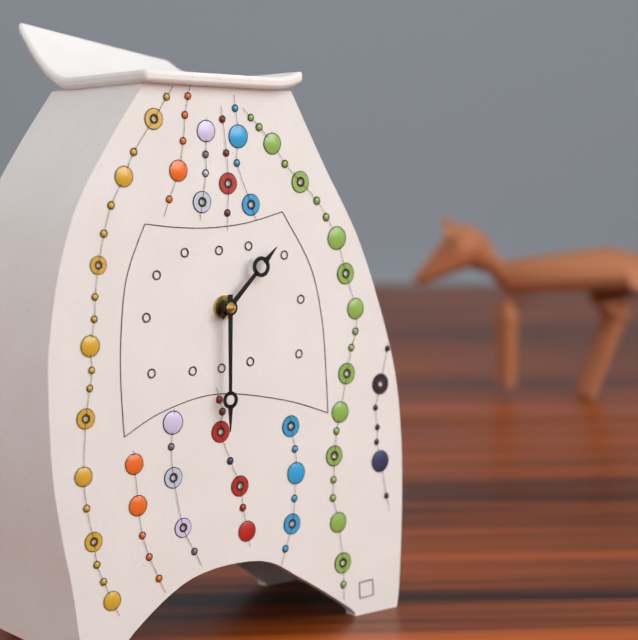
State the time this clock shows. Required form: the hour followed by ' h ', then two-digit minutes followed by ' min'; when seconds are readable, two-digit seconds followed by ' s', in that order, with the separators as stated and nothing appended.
1 h 30 min
